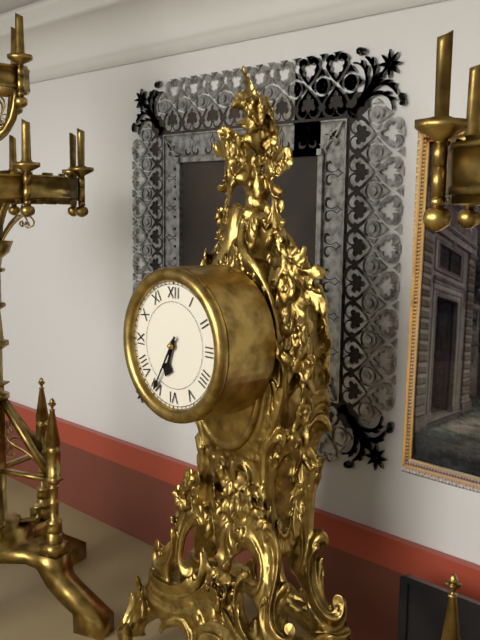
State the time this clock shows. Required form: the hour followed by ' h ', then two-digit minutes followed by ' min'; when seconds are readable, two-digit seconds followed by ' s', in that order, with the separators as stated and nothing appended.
6 h 35 min
